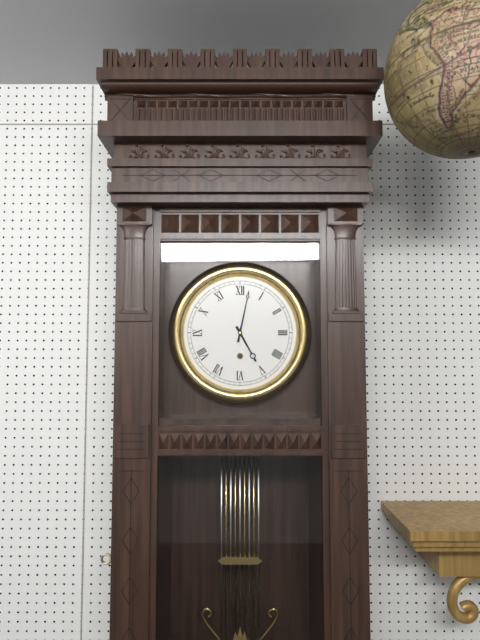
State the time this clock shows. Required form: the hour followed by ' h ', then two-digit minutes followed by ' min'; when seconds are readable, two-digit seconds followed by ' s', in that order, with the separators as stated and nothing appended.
5 h 02 min
